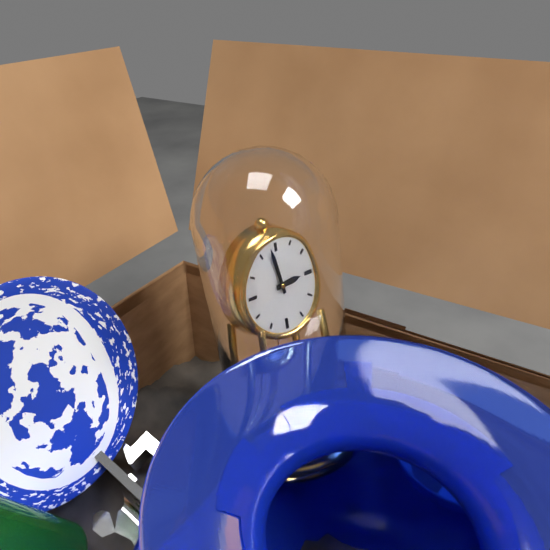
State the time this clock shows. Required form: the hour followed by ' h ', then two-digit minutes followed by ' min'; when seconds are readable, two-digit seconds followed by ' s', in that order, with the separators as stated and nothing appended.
2 h 58 min
